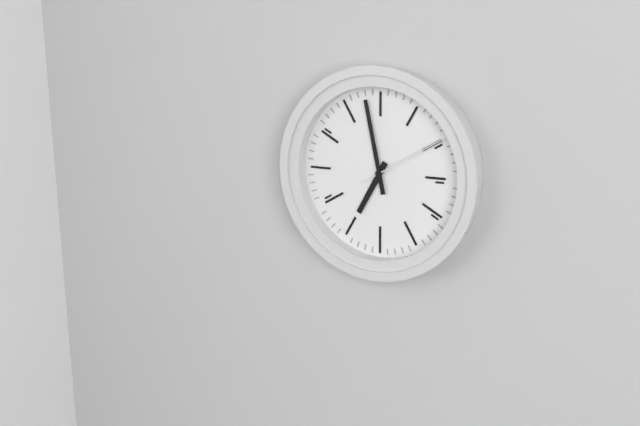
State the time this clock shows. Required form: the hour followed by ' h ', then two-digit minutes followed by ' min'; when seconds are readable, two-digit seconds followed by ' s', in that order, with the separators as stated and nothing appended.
6 h 58 min 10 s
